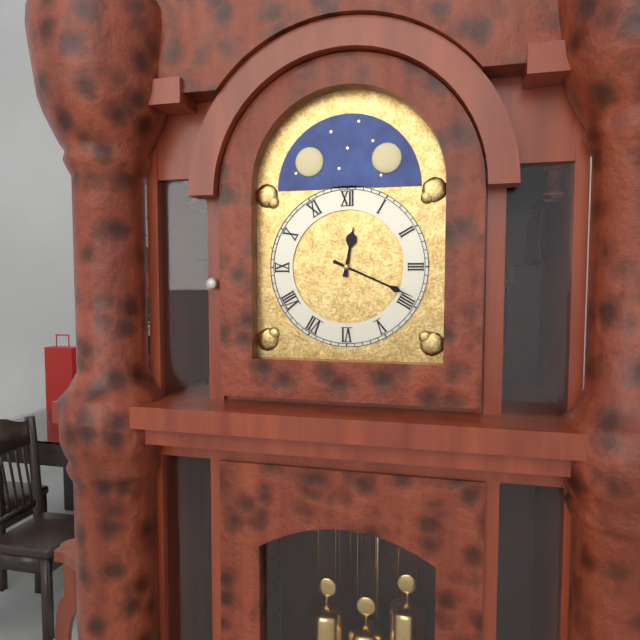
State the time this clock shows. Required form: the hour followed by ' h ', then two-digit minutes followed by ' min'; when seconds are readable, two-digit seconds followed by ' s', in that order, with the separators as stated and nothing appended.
12 h 19 min
